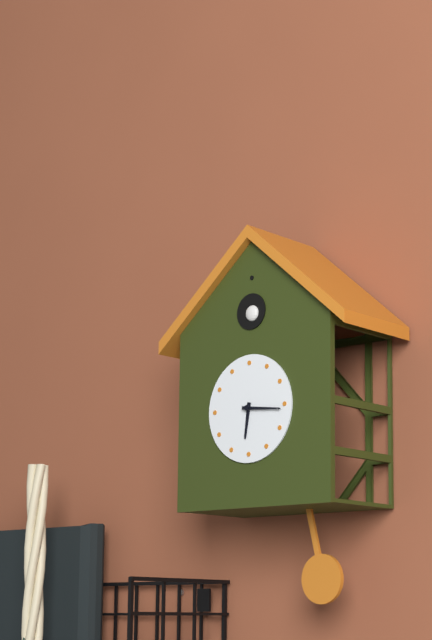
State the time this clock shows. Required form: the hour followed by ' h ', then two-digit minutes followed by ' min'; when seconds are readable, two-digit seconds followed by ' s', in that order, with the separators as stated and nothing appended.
6 h 16 min
